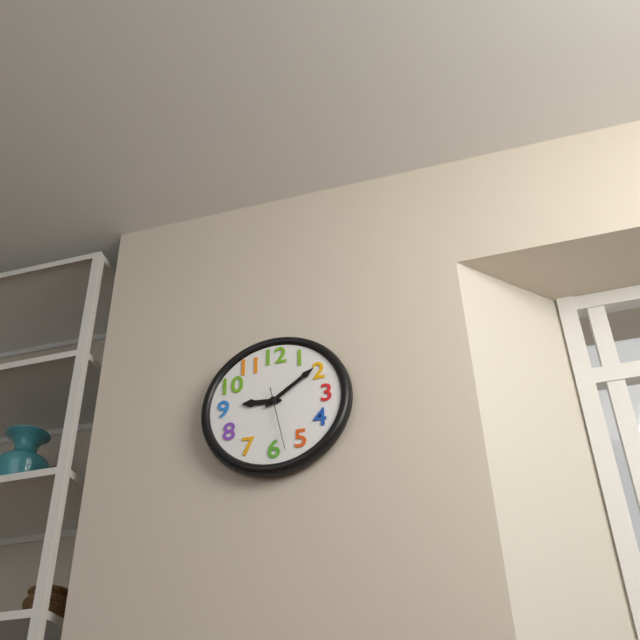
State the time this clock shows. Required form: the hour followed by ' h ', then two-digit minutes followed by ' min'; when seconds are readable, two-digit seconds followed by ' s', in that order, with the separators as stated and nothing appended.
9 h 09 min 28 s
